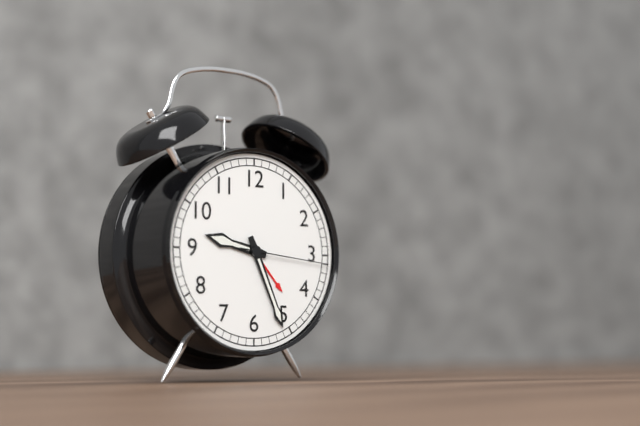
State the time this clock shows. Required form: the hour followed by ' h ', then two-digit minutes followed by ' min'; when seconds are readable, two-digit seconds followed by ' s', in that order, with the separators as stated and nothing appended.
9 h 26 min 16 s
